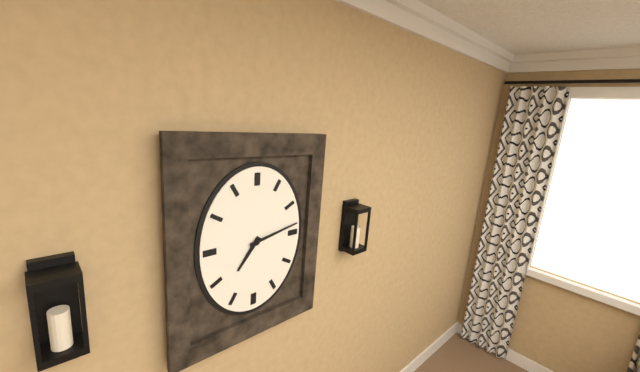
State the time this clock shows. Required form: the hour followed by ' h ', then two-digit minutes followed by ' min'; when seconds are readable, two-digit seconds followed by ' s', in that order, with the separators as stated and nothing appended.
7 h 13 min
